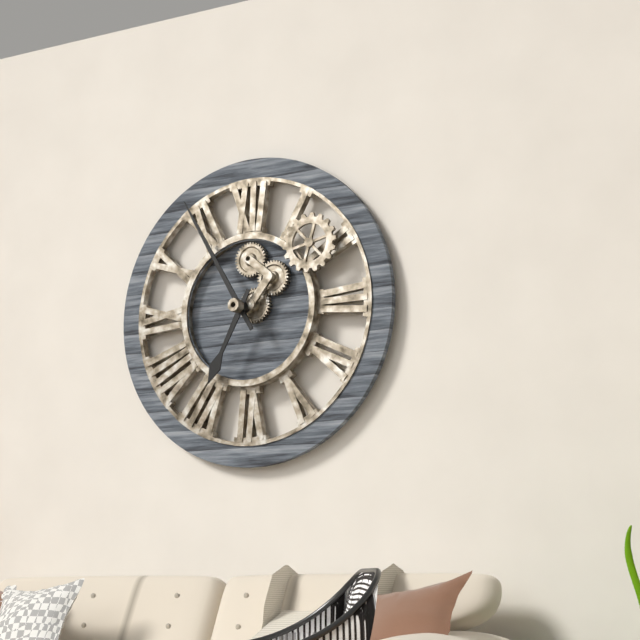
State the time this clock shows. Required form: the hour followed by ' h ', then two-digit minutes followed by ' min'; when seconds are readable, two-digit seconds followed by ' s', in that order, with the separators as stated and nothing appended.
6 h 55 min
